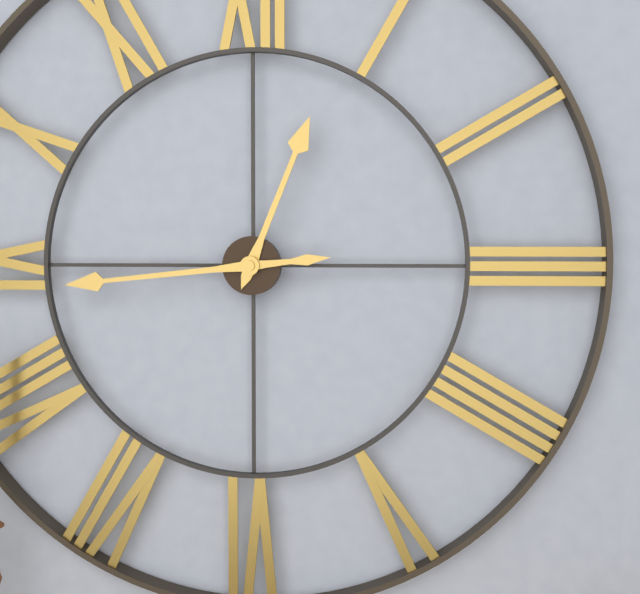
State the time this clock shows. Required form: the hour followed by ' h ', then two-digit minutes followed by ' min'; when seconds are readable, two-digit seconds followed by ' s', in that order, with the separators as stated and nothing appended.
12 h 44 min
